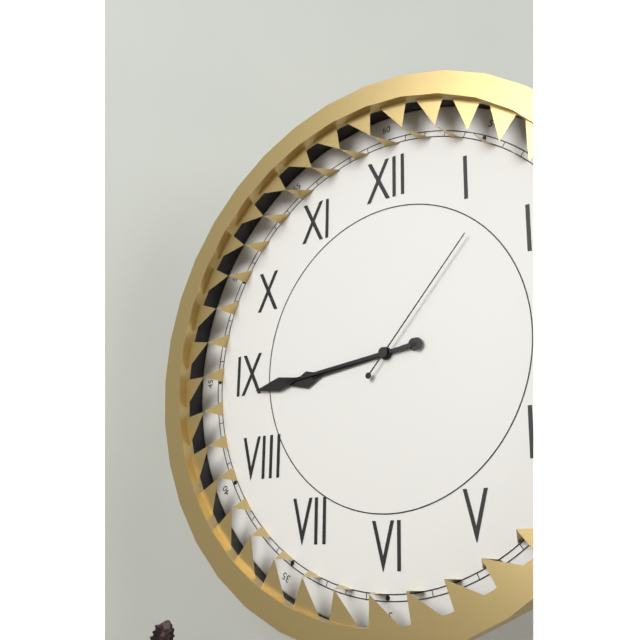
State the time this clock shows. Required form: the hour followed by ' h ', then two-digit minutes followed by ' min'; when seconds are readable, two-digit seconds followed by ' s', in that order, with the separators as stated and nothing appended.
8 h 44 min 07 s
